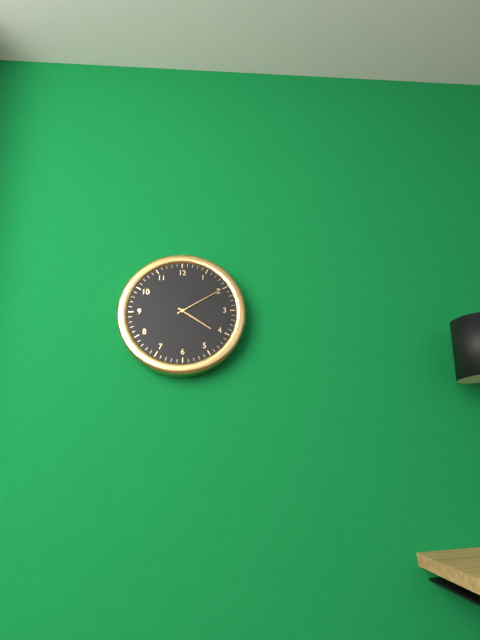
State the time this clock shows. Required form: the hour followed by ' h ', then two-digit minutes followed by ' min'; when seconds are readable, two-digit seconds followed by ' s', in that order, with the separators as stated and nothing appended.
4 h 10 min
